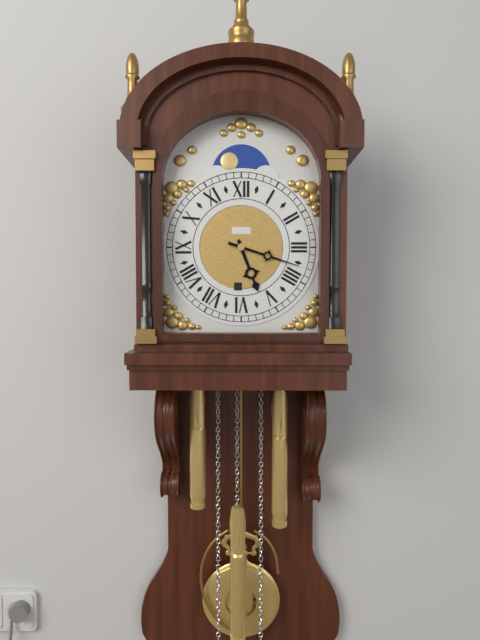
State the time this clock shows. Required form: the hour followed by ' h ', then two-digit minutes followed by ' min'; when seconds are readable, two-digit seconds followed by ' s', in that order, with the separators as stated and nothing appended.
5 h 18 min
